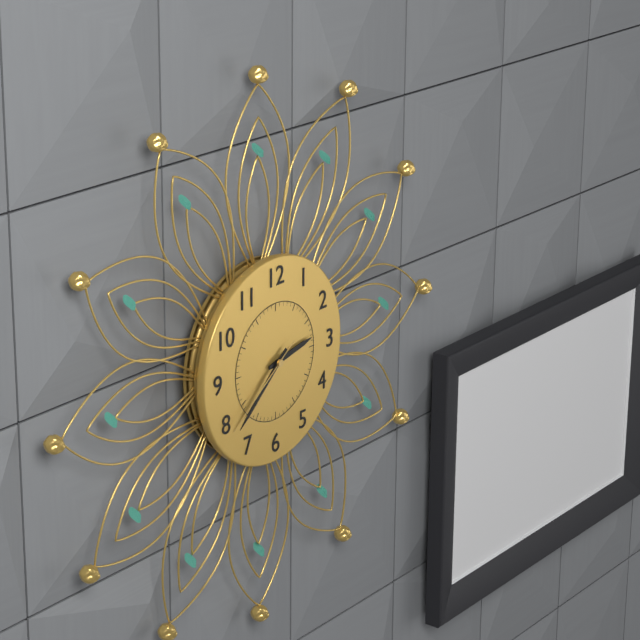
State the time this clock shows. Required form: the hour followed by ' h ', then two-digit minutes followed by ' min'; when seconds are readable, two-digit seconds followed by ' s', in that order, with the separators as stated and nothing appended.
2 h 38 min 39 s
